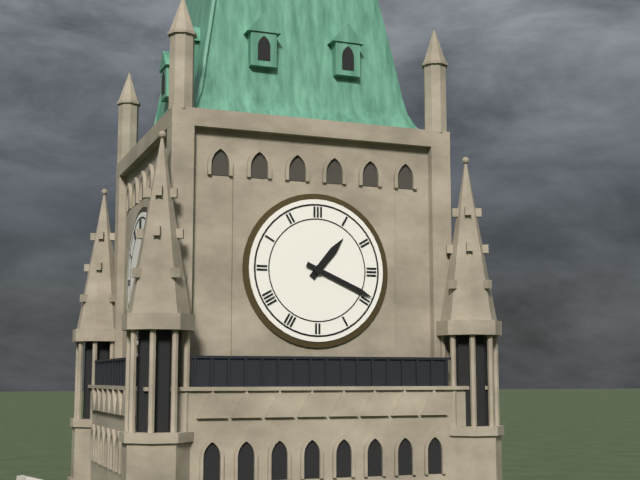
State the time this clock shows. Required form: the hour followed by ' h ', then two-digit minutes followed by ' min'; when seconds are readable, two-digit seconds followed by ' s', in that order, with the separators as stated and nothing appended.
1 h 19 min
